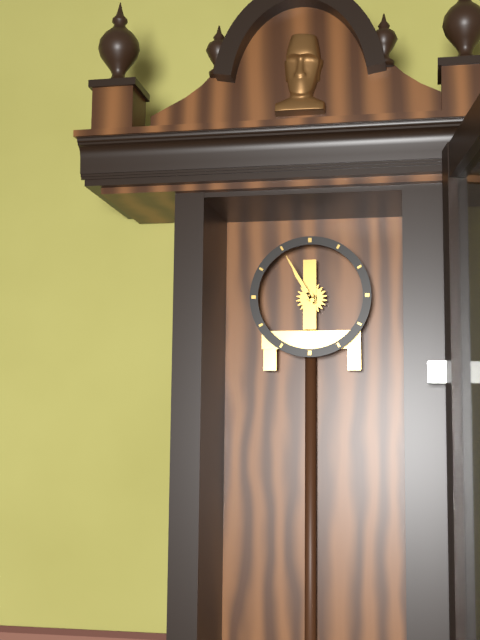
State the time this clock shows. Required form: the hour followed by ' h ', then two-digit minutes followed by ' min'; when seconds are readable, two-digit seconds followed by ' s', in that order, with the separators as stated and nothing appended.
10 h 55 min
